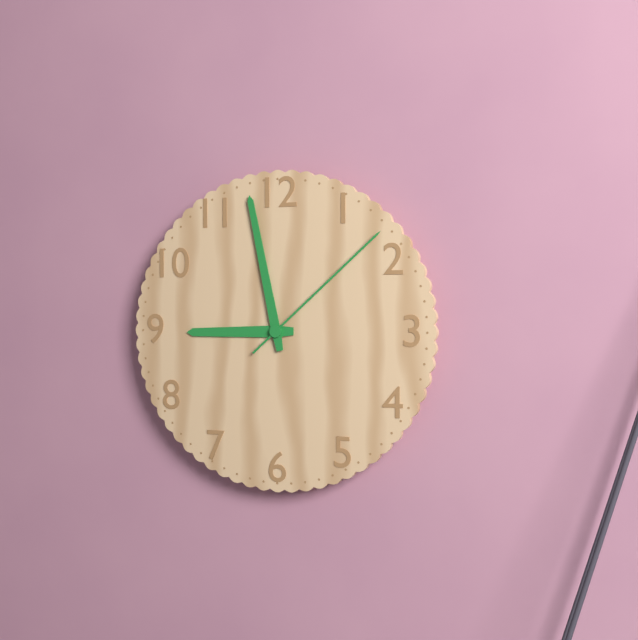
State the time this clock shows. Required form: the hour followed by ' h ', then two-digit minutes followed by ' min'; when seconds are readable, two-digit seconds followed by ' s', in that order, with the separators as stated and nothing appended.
8 h 58 min 08 s
